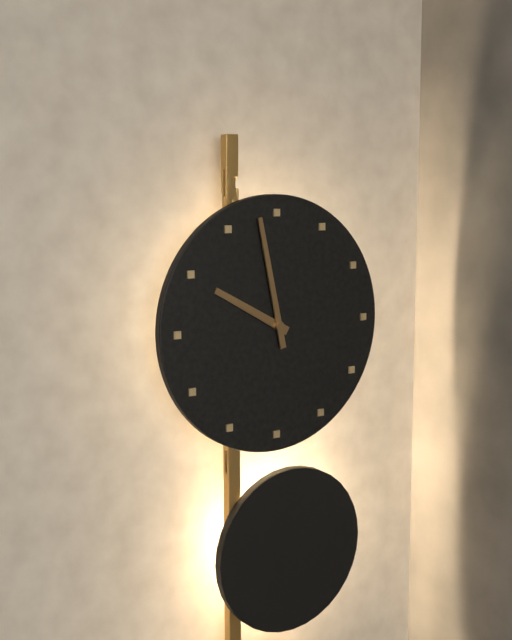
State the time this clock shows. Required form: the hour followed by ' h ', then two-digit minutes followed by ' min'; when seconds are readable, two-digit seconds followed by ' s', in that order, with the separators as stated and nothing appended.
9 h 58 min
